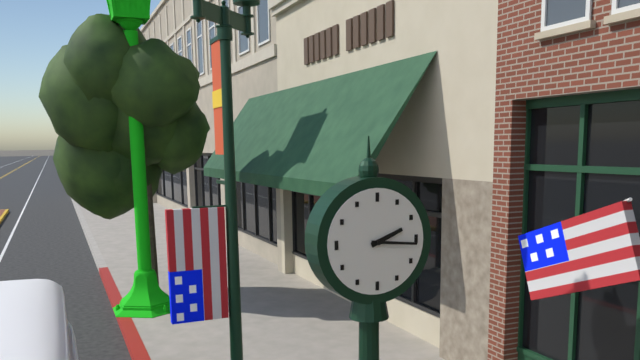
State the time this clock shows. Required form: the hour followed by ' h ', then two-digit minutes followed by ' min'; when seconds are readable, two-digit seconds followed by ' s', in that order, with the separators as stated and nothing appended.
2 h 16 min
